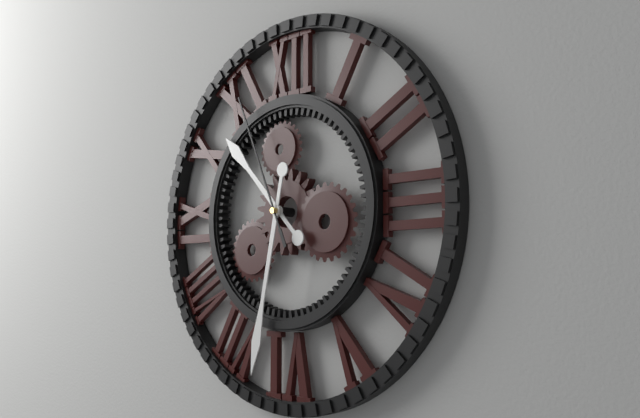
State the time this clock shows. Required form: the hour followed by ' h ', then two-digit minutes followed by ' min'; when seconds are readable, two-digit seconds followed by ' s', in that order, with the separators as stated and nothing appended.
10 h 32 min 56 s
